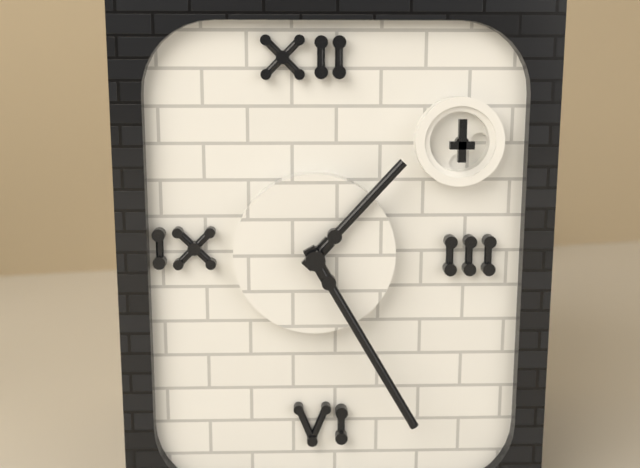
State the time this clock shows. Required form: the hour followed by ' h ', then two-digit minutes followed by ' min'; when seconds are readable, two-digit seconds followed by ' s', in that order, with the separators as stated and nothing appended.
1 h 25 min
